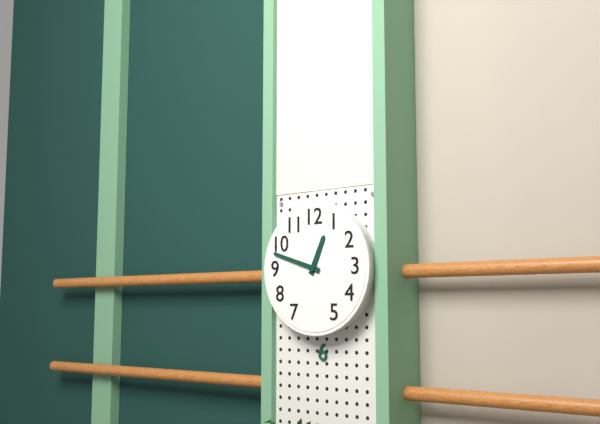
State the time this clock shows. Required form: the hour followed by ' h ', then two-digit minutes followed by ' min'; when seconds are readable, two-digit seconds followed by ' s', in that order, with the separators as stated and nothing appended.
12 h 48 min
